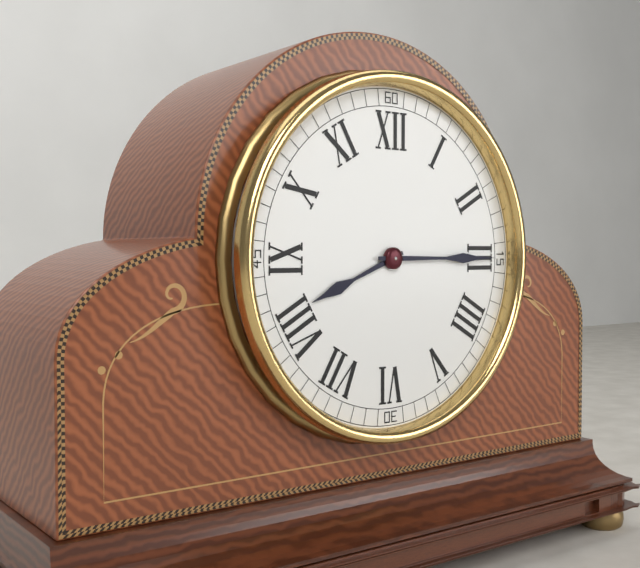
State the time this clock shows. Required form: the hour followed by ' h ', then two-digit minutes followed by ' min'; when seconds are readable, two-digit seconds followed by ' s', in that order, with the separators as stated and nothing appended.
8 h 15 min
